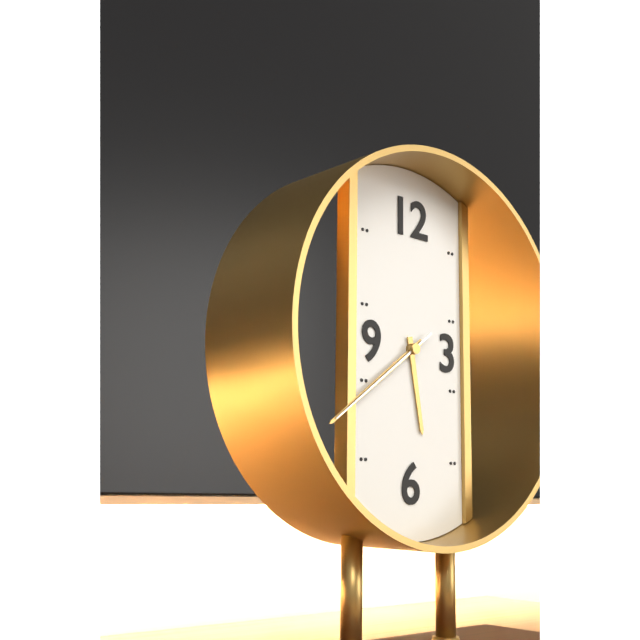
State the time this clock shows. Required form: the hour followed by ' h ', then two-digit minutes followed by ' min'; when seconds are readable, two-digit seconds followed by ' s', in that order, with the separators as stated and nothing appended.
5 h 39 min 39 s
